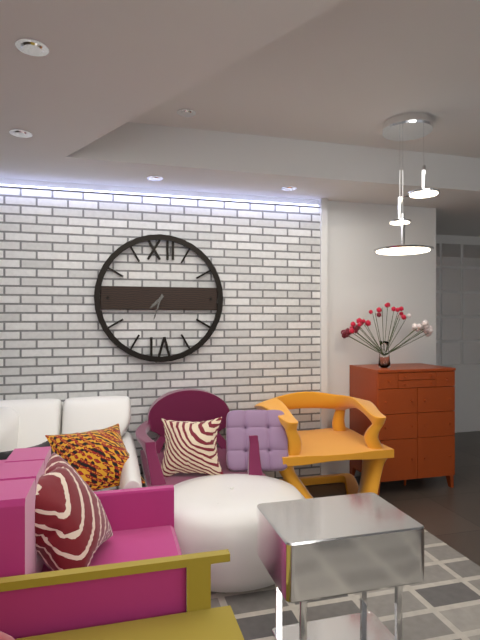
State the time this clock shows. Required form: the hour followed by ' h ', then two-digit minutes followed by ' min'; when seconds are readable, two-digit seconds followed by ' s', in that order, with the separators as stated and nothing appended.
7 h 33 min
